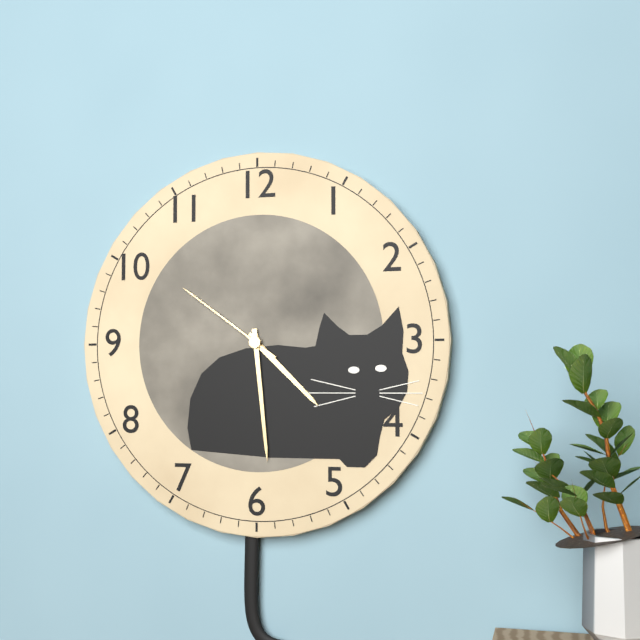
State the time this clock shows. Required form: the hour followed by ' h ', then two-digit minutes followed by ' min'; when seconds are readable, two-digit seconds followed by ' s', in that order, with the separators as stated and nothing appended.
4 h 29 min 51 s
